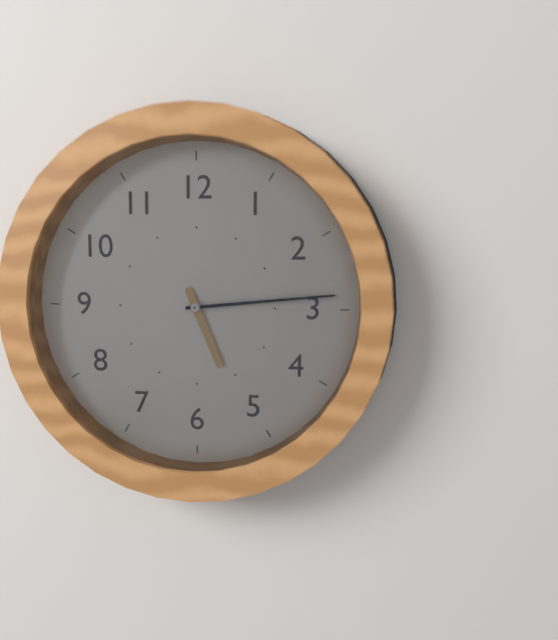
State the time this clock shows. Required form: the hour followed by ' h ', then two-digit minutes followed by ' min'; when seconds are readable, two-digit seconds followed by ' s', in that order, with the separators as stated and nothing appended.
5 h 14 min
